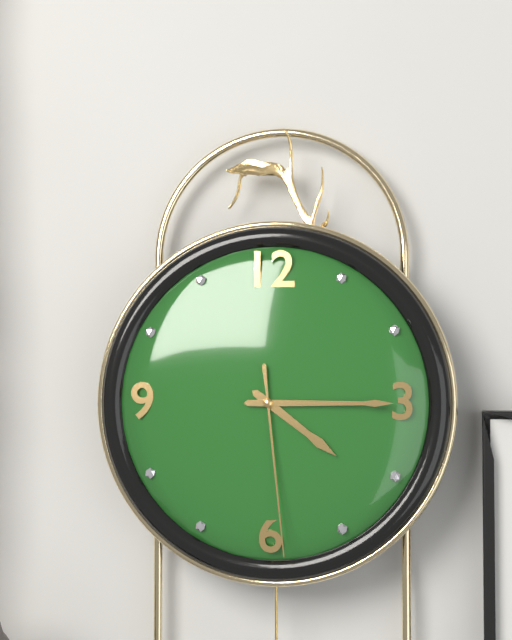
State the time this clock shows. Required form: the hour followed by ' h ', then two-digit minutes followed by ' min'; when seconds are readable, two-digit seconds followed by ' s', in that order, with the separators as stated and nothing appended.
4 h 15 min 29 s
